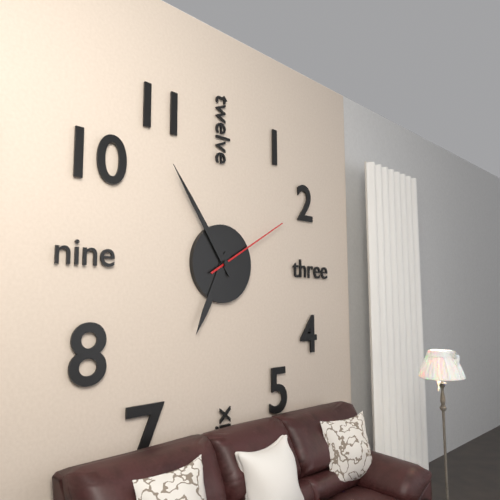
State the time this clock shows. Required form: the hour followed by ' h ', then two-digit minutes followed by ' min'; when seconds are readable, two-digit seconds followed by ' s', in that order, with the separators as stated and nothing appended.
6 h 54 min 10 s
